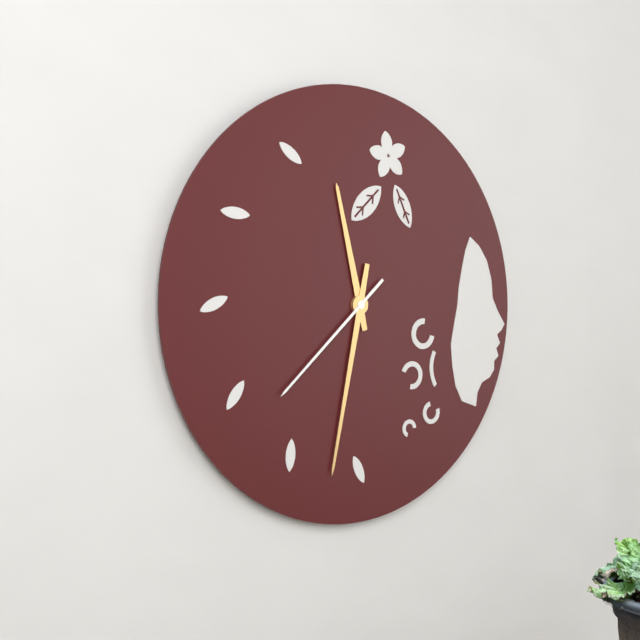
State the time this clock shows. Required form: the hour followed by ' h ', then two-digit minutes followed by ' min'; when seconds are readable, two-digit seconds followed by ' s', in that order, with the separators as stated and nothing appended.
11 h 32 min 38 s
